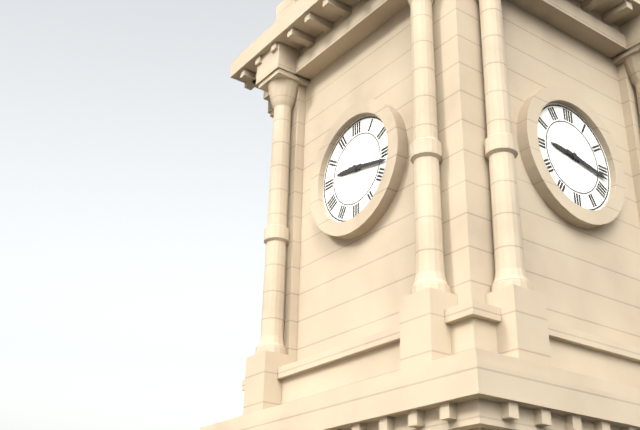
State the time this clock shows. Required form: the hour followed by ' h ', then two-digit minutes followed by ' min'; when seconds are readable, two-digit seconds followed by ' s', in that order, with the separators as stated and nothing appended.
9 h 17 min
